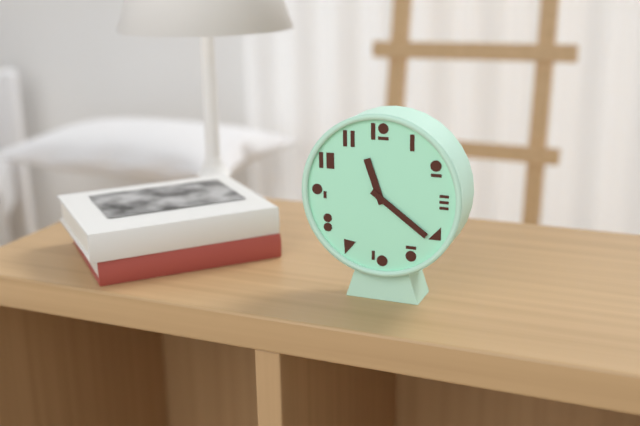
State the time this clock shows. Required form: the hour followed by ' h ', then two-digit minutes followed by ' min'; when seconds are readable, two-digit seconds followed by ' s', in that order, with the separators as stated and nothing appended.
11 h 21 min
